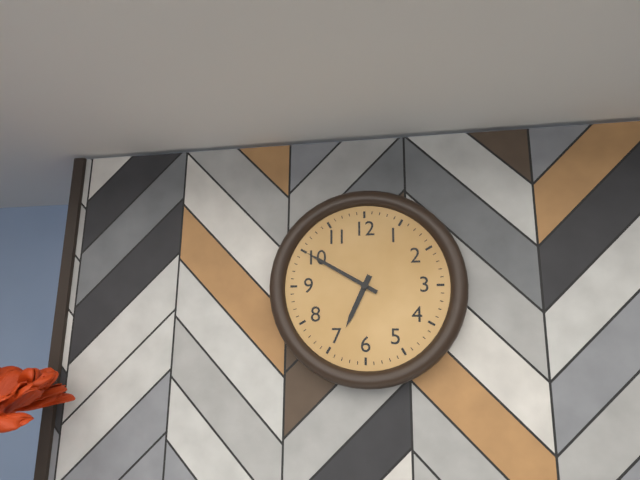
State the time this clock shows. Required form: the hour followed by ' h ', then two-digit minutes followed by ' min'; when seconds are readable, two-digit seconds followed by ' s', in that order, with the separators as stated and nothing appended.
6 h 50 min
